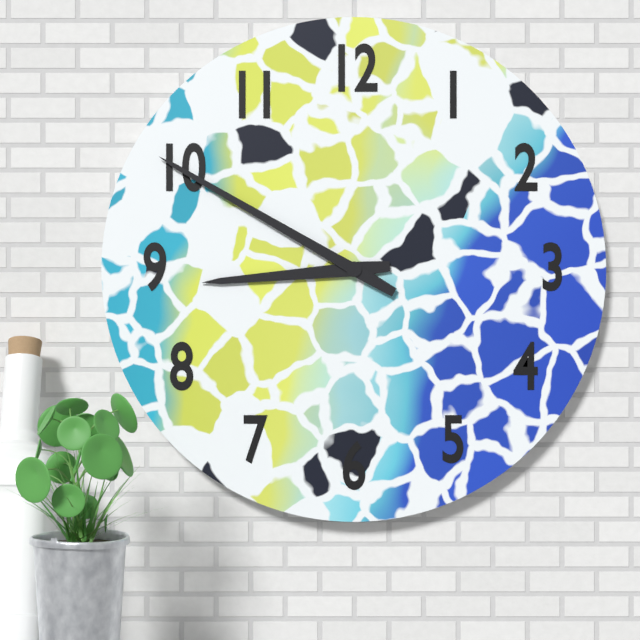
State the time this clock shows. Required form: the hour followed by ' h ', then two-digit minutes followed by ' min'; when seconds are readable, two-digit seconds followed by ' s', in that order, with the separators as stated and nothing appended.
8 h 50 min
